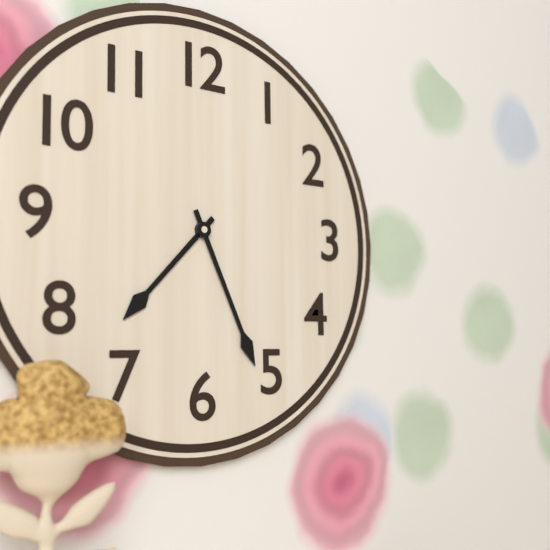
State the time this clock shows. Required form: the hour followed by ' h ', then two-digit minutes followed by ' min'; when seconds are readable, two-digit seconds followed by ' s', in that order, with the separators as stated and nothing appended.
7 h 26 min
